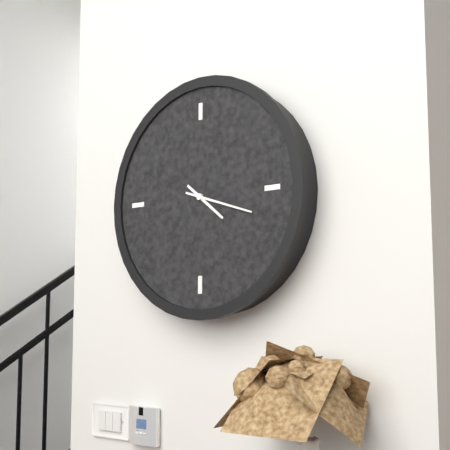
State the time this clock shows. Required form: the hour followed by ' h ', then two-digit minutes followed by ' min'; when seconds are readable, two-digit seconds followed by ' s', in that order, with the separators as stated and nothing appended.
4 h 18 min
